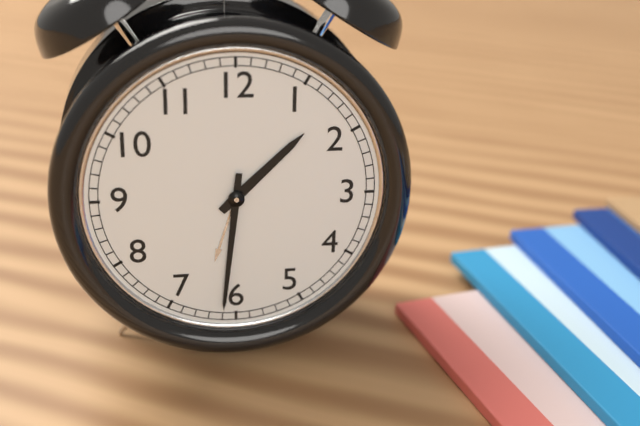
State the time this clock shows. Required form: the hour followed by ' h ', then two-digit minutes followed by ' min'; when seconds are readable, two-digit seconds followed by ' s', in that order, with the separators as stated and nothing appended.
1 h 31 min
